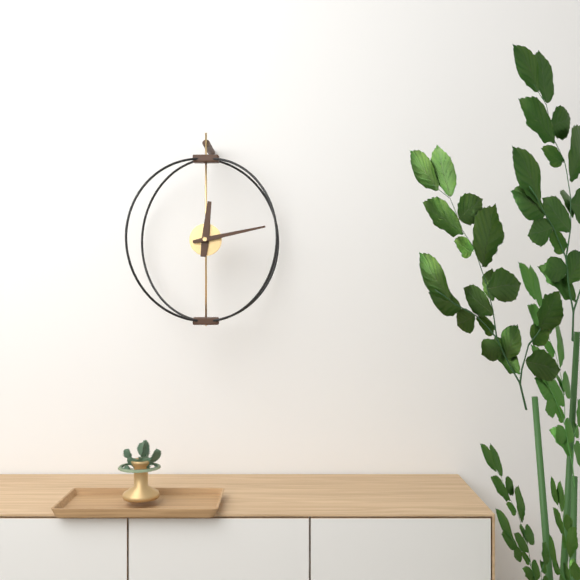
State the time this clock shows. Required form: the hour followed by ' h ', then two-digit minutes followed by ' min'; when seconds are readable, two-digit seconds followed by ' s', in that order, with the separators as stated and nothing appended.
12 h 13 min
